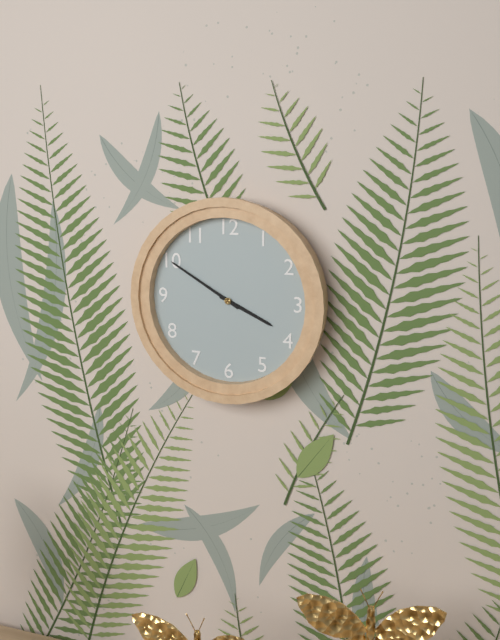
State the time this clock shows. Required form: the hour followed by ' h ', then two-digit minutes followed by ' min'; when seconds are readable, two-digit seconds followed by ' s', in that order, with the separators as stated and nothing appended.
3 h 50 min
